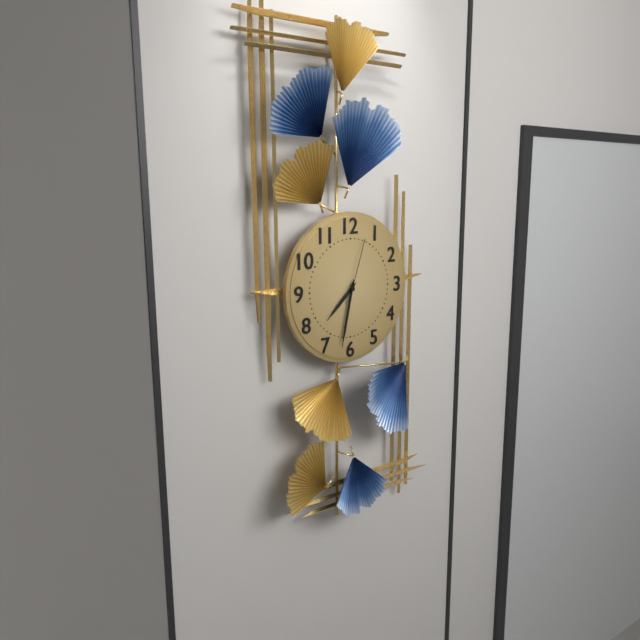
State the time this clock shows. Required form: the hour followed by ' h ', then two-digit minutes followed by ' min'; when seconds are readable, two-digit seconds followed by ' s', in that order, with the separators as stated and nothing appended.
7 h 32 min 03 s
